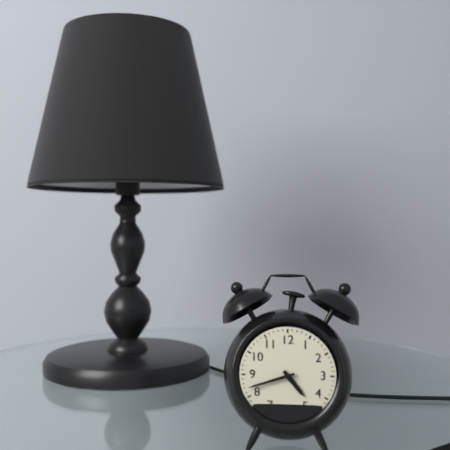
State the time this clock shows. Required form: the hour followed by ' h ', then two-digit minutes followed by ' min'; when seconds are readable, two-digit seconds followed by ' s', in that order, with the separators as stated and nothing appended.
4 h 42 min
